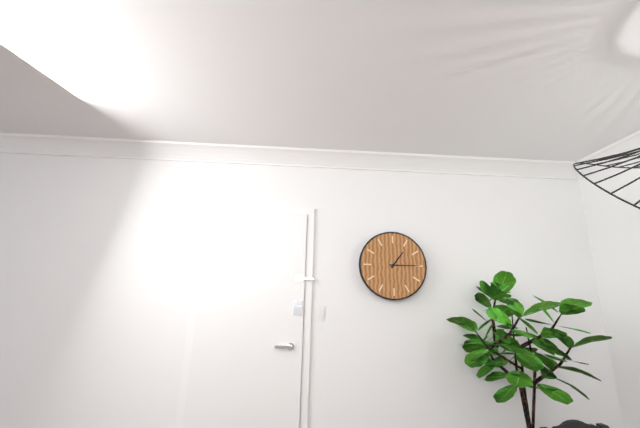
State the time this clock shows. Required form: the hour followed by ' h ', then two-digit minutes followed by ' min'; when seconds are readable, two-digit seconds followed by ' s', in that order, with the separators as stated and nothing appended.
1 h 15 min
